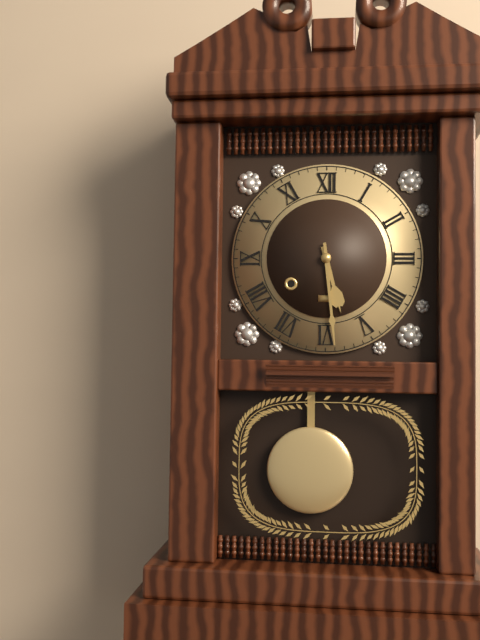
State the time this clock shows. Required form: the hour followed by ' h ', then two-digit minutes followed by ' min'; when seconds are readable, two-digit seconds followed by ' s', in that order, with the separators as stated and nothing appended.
5 h 29 min
